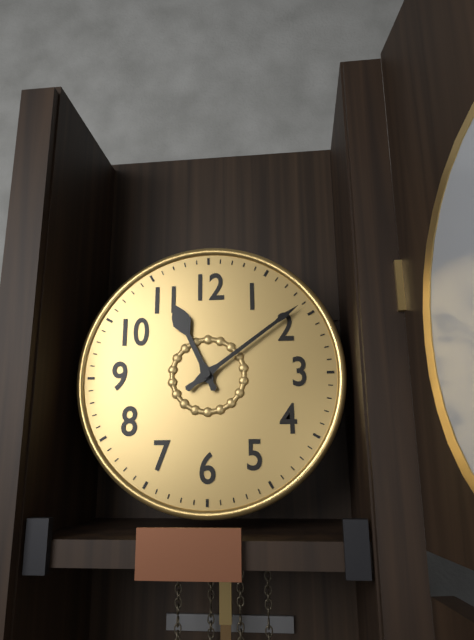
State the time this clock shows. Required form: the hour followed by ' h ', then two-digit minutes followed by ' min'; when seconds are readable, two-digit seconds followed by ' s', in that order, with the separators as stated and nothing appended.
11 h 09 min
